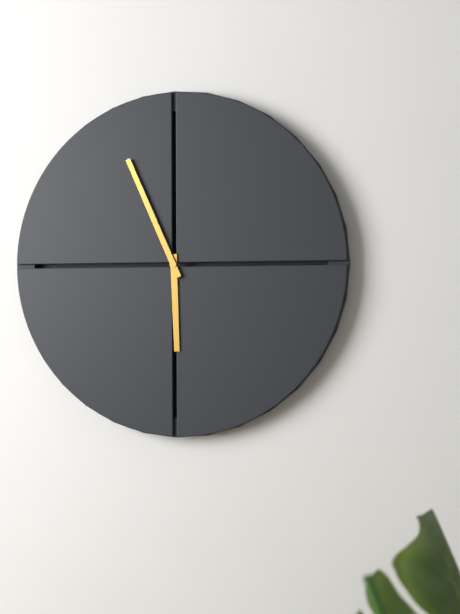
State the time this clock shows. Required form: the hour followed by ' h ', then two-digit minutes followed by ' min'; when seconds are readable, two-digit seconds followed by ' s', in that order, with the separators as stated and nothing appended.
5 h 56 min
